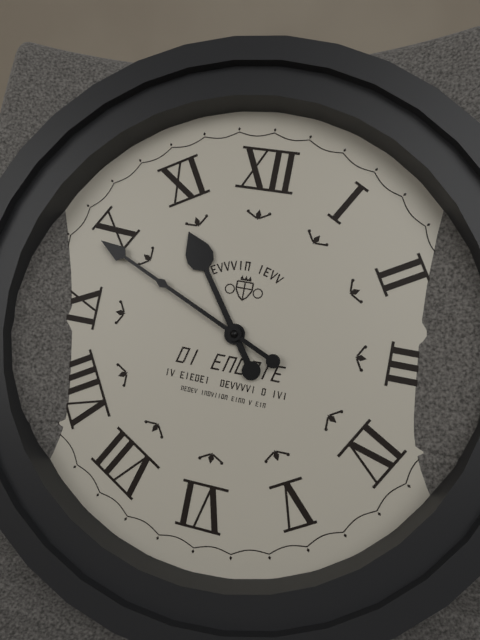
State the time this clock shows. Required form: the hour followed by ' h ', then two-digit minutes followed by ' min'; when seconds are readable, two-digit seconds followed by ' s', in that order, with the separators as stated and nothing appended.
10 h 49 min
